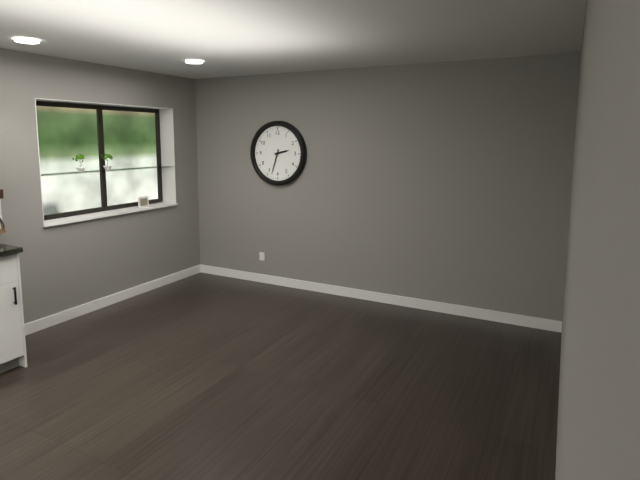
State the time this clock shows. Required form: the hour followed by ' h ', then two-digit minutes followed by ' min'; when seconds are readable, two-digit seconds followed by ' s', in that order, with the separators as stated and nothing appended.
2 h 33 min
